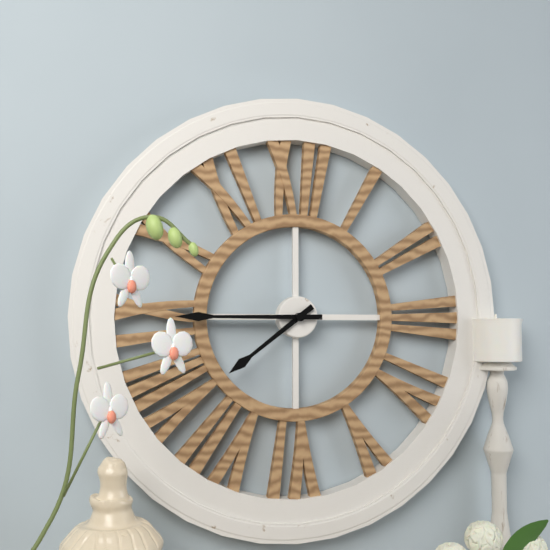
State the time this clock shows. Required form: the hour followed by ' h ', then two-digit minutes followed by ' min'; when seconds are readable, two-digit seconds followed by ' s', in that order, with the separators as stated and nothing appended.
7 h 45 min
